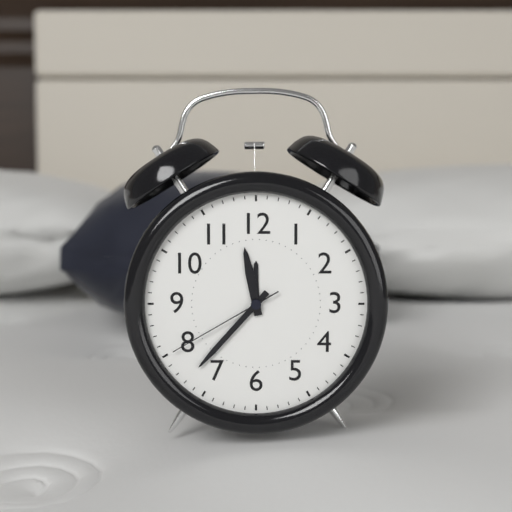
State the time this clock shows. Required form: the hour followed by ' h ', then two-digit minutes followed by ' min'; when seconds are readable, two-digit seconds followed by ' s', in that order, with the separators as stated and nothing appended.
11 h 37 min 40 s
